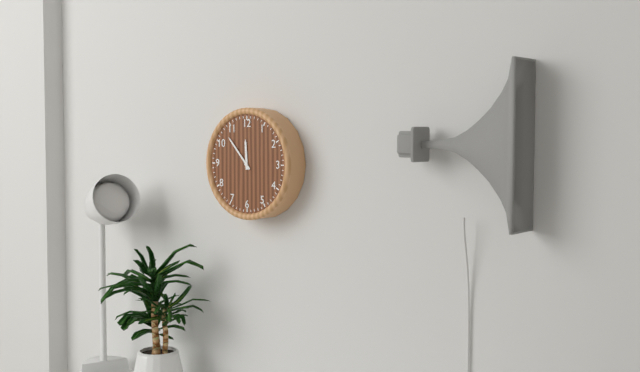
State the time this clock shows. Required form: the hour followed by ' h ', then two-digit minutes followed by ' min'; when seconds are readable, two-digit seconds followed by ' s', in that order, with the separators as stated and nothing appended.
11 h 53 min
